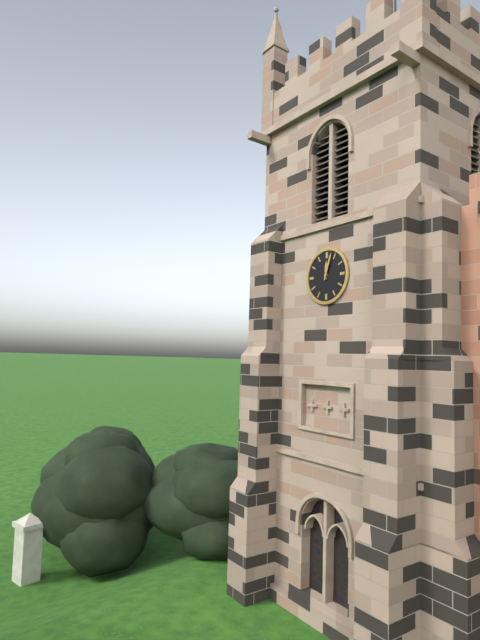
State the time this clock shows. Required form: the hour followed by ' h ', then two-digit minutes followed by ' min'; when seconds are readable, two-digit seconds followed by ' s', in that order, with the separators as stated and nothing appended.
12 h 03 min
